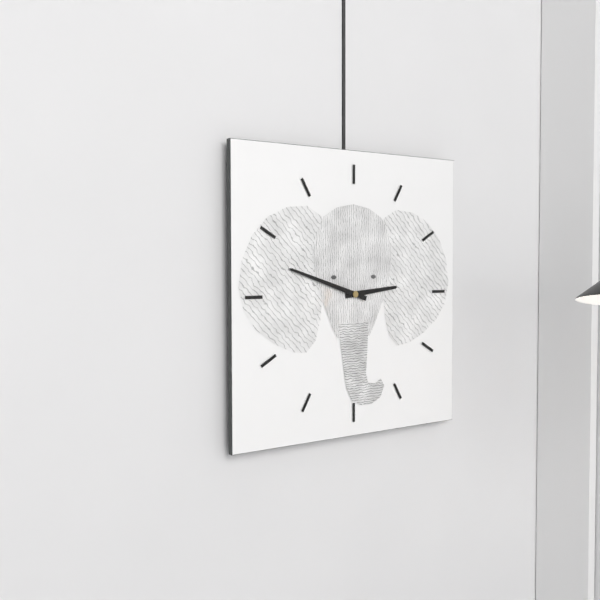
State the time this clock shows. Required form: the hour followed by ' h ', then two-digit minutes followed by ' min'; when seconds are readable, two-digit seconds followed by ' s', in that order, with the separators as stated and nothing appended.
2 h 48 min
